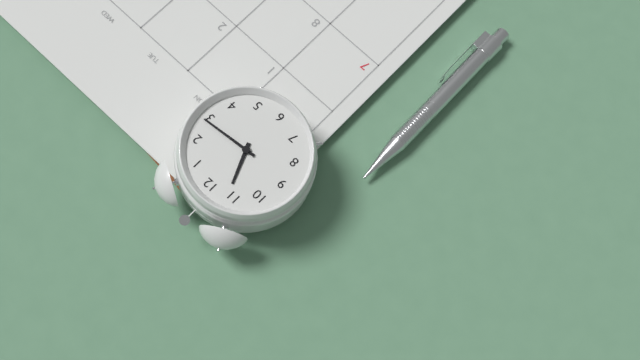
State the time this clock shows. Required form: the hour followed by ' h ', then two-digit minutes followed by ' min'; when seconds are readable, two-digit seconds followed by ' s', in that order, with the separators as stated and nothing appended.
11 h 14 min
